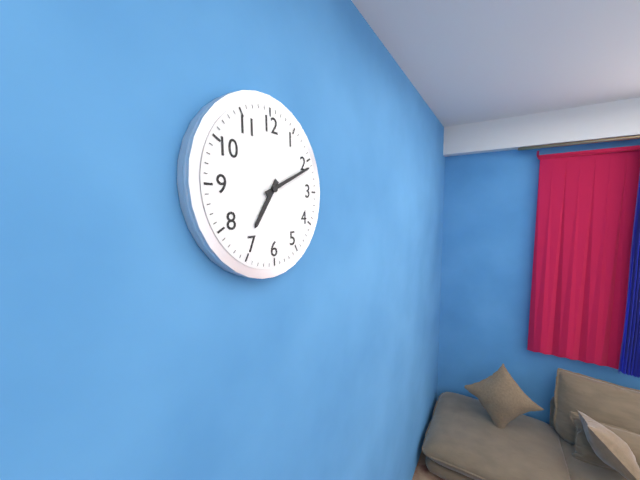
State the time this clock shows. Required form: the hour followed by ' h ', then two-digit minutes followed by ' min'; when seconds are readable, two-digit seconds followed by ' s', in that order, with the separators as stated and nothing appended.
7 h 11 min
